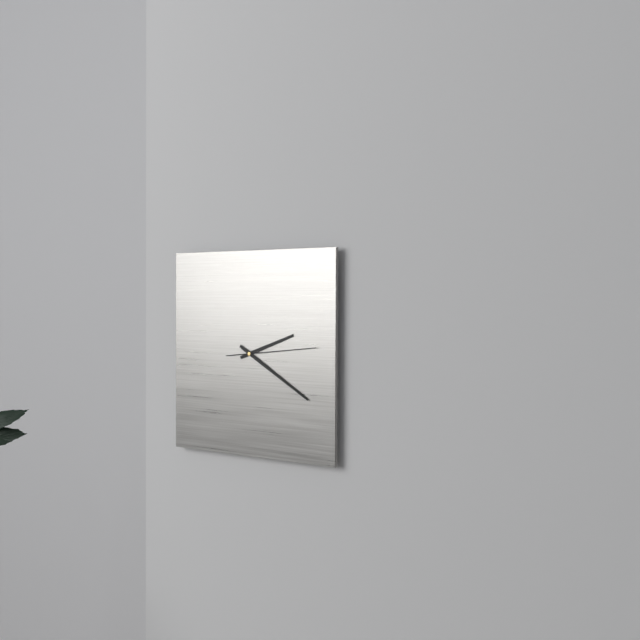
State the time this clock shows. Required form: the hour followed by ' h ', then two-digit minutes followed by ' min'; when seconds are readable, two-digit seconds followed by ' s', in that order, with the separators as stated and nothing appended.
2 h 20 min 14 s
